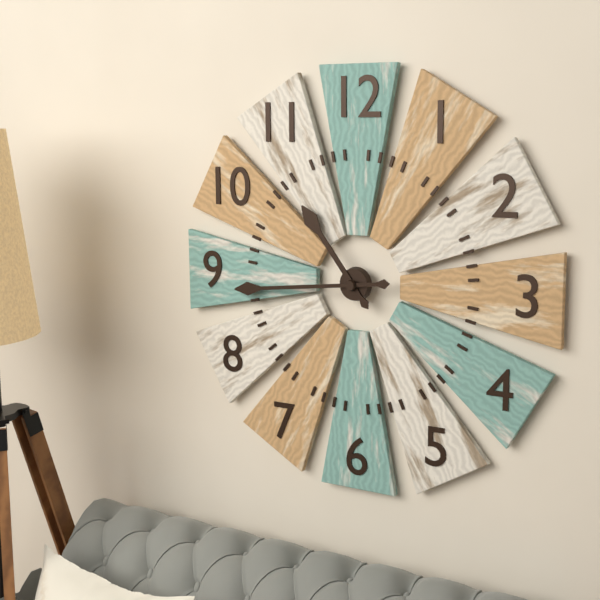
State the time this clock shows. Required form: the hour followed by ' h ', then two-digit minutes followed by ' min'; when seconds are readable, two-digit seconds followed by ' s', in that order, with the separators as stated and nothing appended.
10 h 44 min
